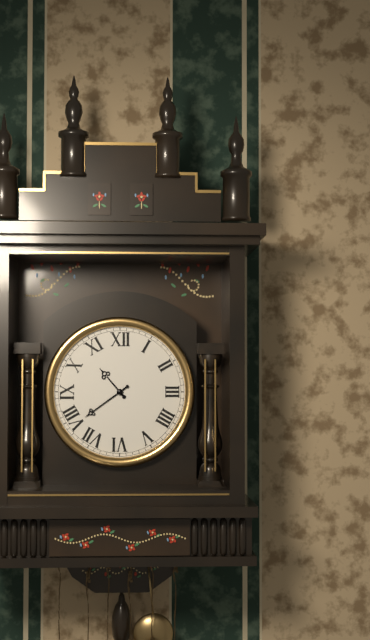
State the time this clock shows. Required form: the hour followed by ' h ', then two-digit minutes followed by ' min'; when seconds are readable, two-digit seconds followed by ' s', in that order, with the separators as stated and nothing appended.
10 h 39 min
